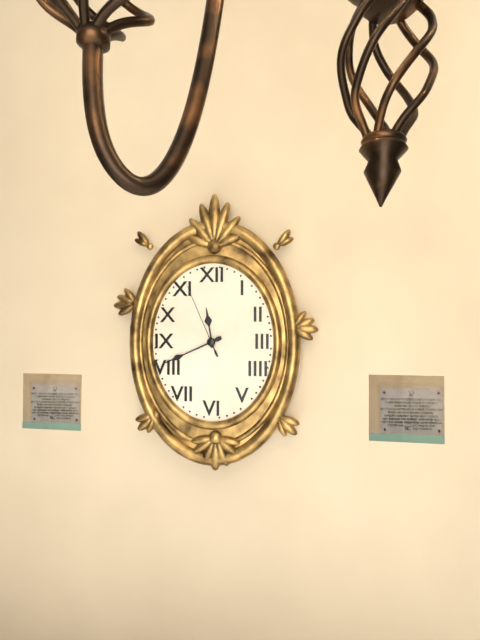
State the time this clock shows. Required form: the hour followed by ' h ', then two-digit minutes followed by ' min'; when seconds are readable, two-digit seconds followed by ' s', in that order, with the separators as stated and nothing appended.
11 h 41 min 56 s
